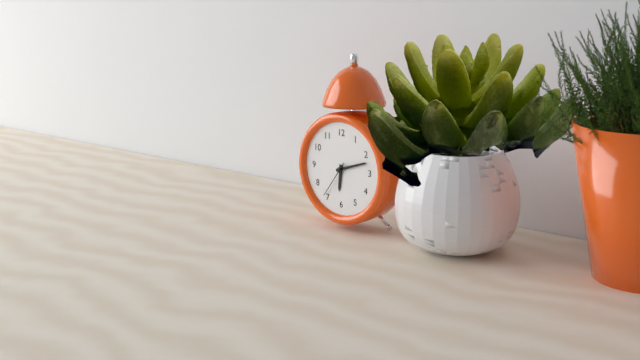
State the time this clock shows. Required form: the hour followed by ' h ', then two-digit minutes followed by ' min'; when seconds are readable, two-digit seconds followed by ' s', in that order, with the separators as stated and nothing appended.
6 h 12 min
